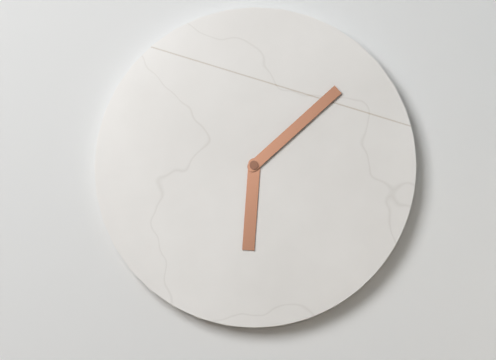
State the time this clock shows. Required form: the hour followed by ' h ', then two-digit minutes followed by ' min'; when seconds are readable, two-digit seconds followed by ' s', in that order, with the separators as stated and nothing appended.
6 h 08 min
